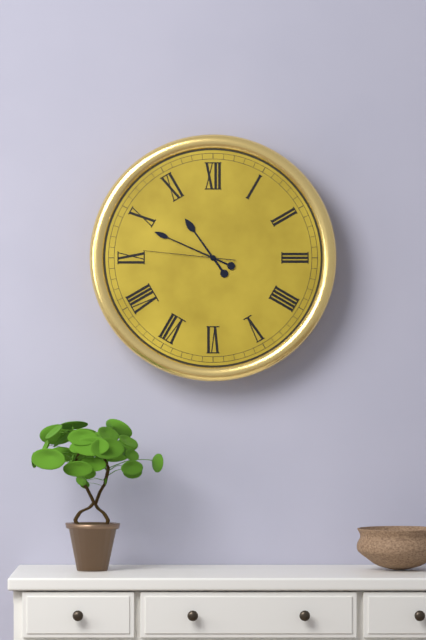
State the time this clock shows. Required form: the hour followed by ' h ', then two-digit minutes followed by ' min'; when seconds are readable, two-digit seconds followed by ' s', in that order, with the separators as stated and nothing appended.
10 h 49 min 46 s
